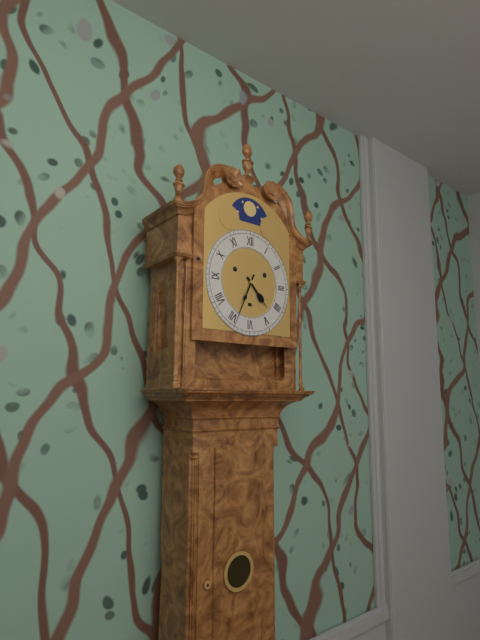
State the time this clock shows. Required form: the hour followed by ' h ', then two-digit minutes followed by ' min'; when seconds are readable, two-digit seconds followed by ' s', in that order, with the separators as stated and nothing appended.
4 h 34 min
